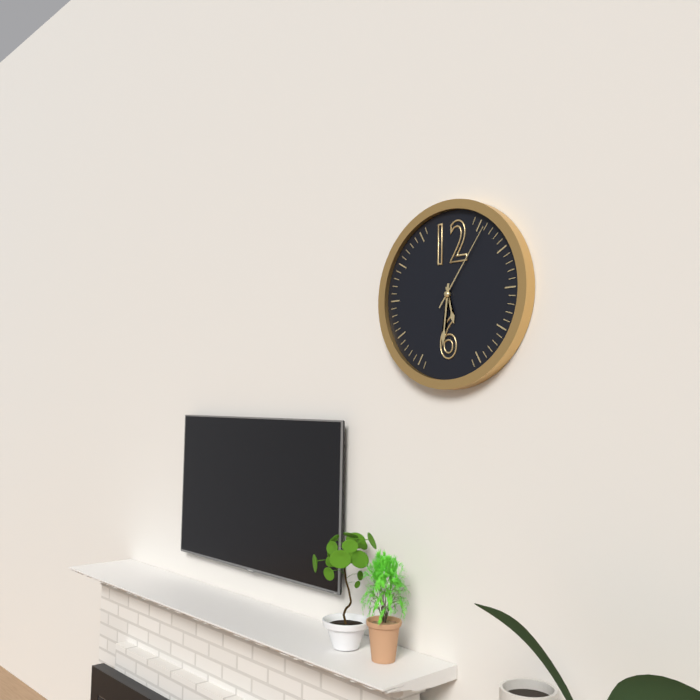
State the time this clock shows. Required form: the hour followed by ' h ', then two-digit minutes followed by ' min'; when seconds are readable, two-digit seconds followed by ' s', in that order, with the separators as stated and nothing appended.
5 h 31 min 06 s
